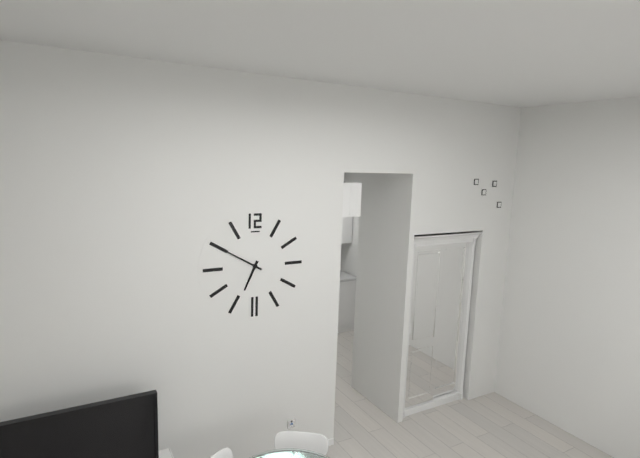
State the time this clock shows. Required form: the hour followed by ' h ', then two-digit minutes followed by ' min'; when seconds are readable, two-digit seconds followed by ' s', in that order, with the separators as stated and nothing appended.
6 h 50 min
